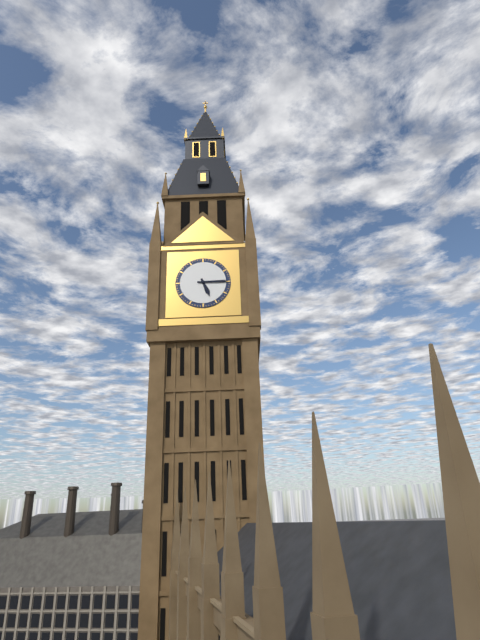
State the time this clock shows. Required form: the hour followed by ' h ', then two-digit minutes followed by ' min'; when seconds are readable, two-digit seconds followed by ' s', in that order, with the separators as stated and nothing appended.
5 h 15 min
